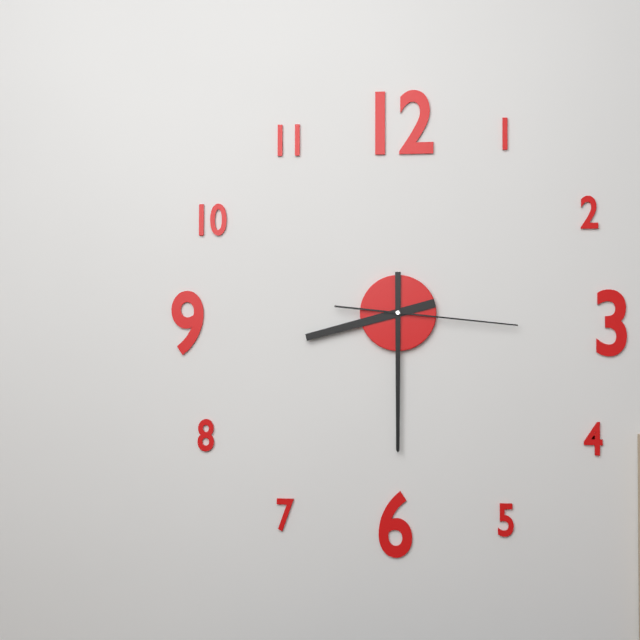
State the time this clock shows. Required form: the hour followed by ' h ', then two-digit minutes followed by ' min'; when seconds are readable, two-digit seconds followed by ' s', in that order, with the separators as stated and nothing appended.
8 h 30 min 16 s
